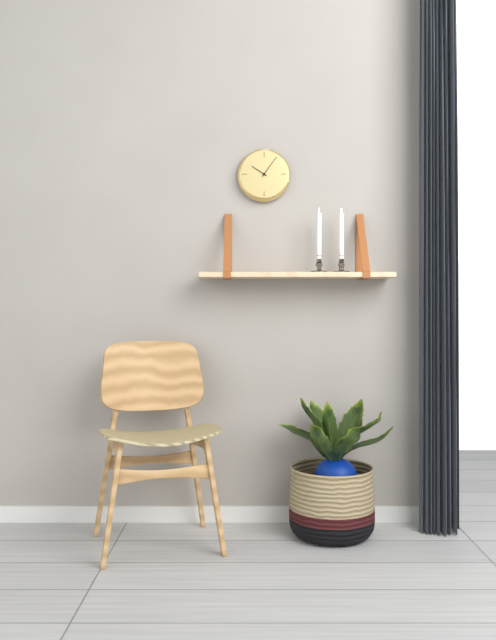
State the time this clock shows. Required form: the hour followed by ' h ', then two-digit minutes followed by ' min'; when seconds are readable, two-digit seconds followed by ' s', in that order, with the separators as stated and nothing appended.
10 h 06 min
